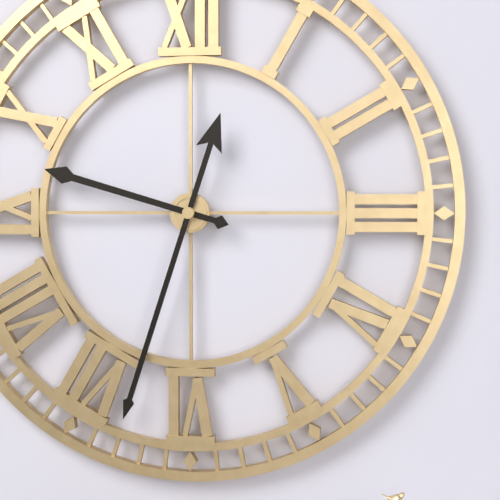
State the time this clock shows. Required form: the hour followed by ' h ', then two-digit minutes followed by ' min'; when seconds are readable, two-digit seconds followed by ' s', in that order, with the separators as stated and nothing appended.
9 h 33 min
